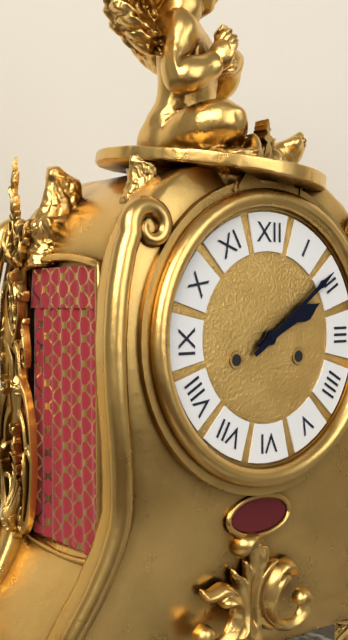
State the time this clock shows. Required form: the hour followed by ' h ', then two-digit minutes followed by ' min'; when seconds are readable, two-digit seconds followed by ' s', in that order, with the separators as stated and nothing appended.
2 h 09 min
